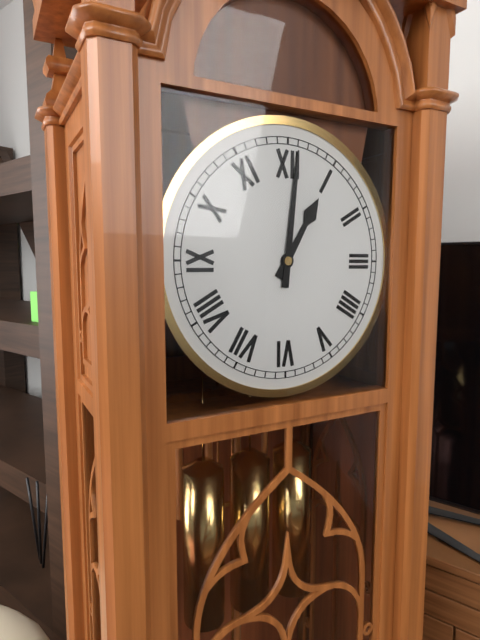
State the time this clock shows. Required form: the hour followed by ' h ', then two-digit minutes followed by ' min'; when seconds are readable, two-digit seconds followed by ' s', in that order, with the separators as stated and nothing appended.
1 h 01 min
